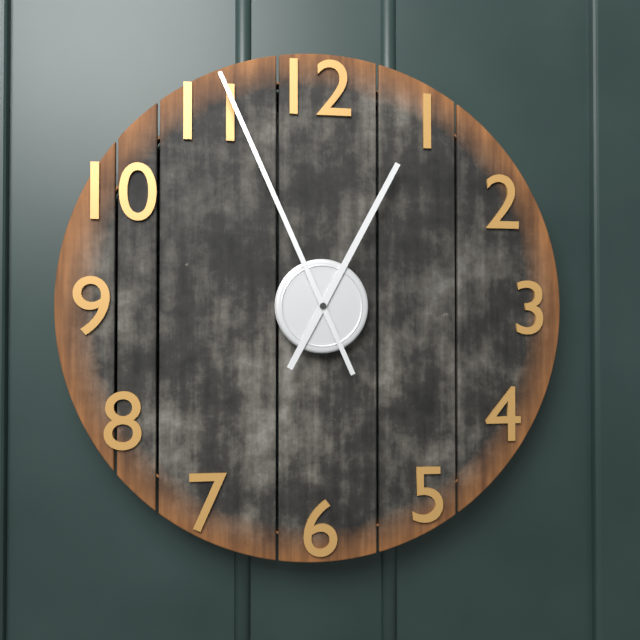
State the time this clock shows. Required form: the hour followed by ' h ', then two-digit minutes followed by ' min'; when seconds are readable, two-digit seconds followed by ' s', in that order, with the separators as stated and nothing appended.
12 h 56 min
